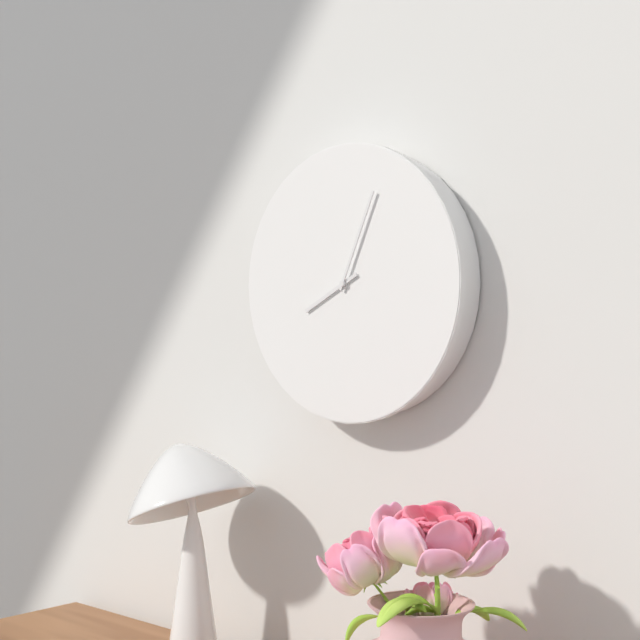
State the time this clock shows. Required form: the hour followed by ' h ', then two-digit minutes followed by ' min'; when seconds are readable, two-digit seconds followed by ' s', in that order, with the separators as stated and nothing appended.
8 h 04 min
